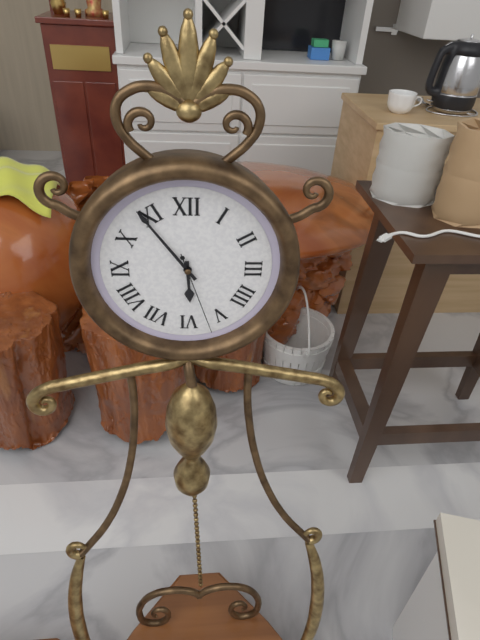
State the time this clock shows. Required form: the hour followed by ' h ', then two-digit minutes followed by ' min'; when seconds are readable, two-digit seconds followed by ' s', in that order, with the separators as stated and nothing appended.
5 h 54 min 27 s
